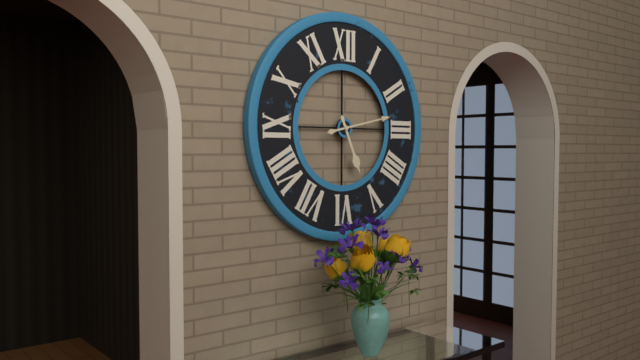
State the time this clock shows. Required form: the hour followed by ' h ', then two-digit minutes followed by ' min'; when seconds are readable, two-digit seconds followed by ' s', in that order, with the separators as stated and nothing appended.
5 h 13 min
